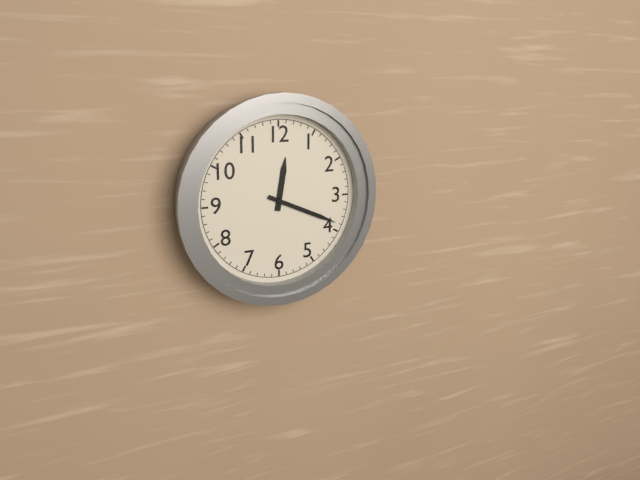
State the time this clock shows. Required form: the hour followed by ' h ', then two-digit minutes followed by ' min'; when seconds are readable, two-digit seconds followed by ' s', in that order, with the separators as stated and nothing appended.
12 h 19 min
